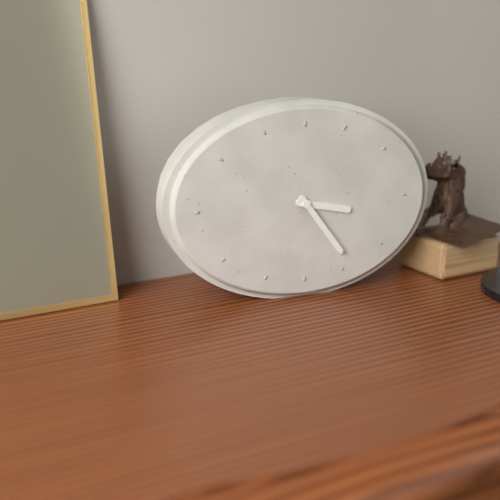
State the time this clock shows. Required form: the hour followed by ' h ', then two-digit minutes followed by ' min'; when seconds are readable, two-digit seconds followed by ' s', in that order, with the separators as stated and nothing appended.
3 h 24 min
